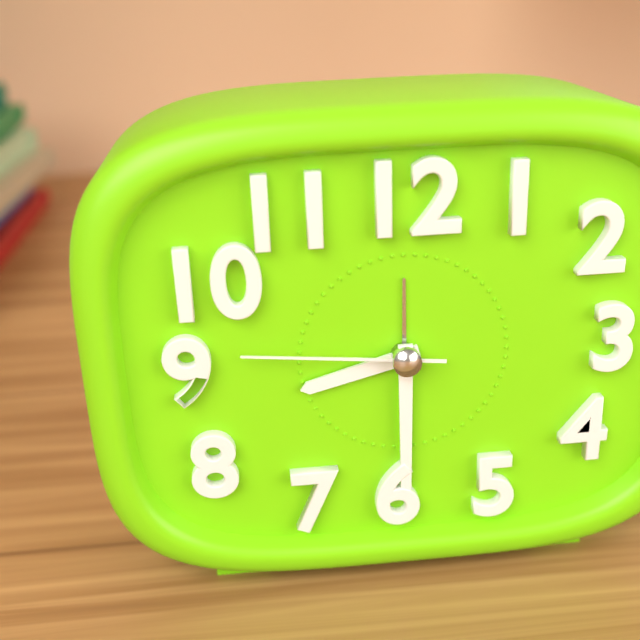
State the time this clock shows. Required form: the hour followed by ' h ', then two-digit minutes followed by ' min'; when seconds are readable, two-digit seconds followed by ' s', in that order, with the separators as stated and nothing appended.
8 h 30 min 46 s
